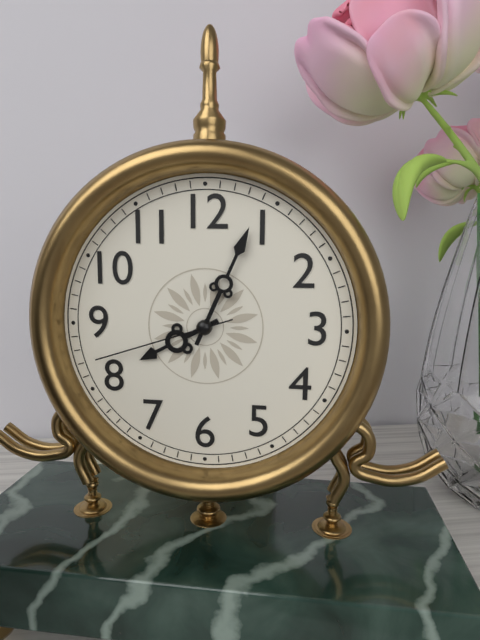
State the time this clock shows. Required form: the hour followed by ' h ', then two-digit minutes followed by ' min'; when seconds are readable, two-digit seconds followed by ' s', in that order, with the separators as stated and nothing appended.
8 h 04 min 42 s
